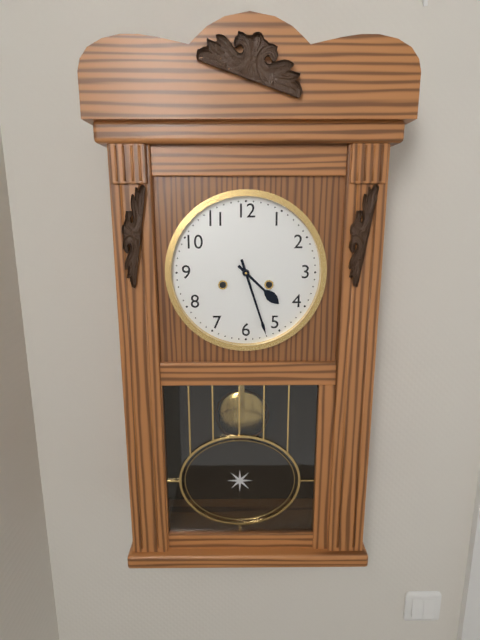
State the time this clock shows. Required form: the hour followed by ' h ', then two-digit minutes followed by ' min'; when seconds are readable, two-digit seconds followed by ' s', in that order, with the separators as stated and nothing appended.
4 h 27 min
